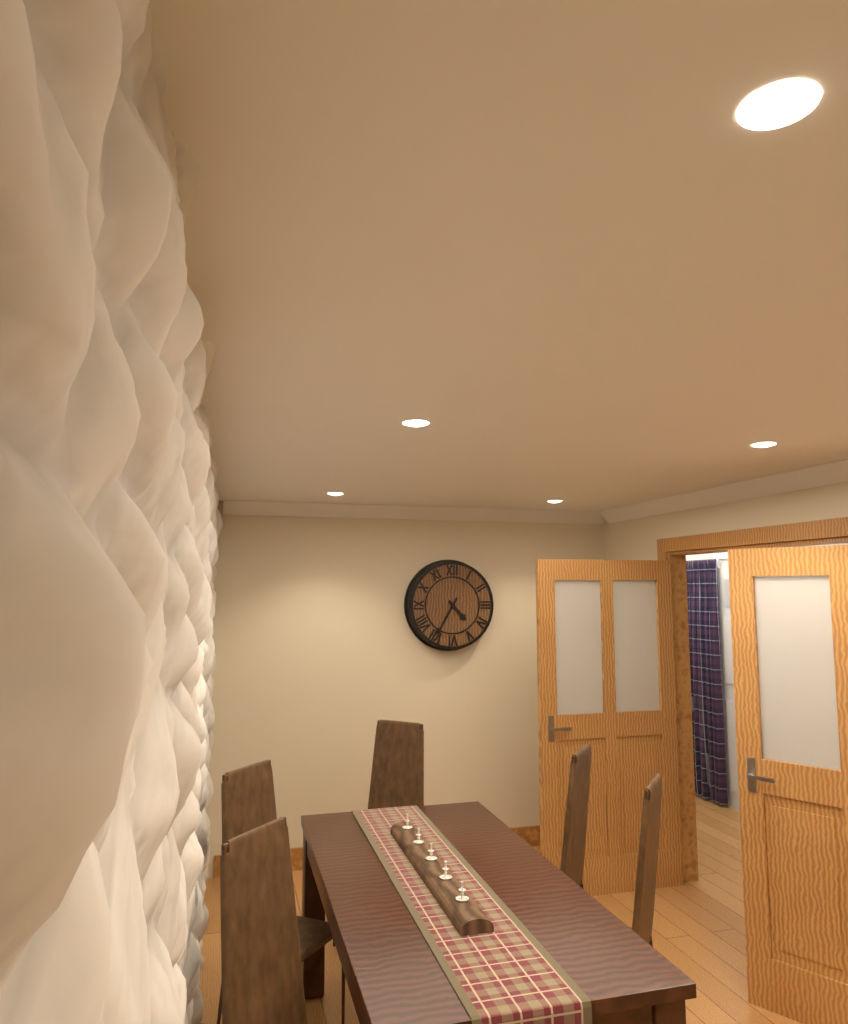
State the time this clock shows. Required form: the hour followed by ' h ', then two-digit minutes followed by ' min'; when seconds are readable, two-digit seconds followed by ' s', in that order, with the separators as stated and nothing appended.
4 h 35 min
